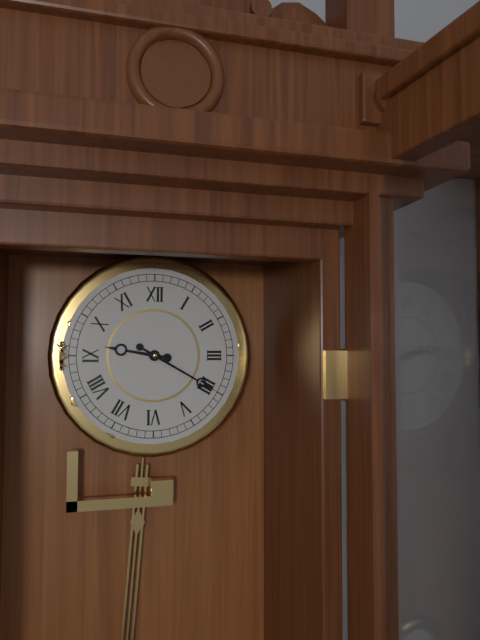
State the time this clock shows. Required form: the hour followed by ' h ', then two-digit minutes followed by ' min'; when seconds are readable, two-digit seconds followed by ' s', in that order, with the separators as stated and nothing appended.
9 h 20 min
